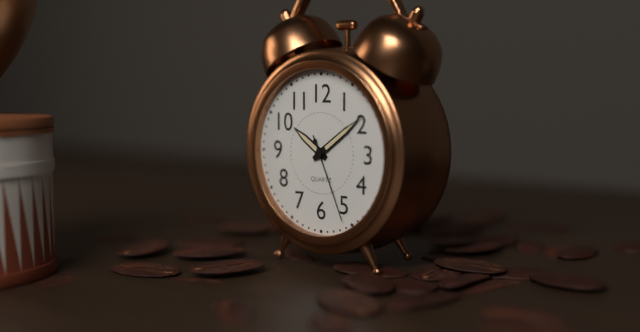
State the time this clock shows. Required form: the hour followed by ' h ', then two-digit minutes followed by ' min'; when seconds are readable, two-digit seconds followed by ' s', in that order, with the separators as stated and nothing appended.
10 h 09 min 26 s
